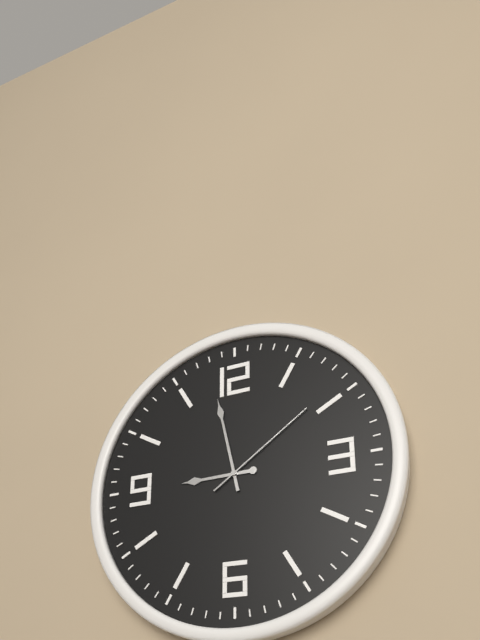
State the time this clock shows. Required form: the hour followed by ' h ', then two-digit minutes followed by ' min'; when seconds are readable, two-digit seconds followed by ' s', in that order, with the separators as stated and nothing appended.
8 h 58 min 09 s
